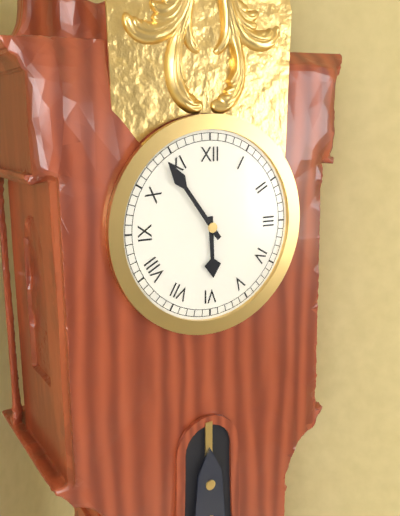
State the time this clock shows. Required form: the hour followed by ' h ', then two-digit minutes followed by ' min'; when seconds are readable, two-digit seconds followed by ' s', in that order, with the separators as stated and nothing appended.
5 h 54 min
